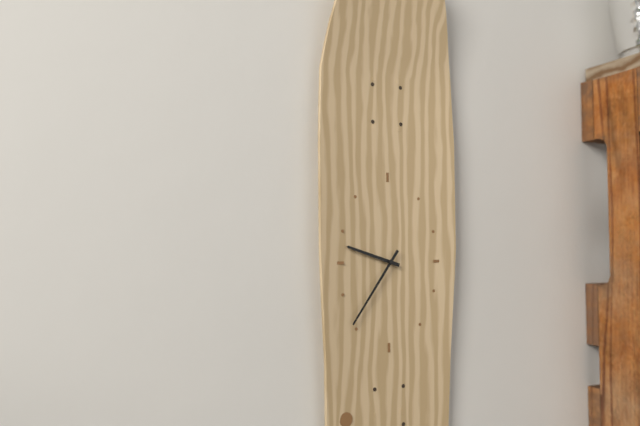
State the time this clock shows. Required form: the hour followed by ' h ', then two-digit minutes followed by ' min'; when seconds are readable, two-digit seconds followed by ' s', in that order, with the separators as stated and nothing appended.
9 h 36 min
